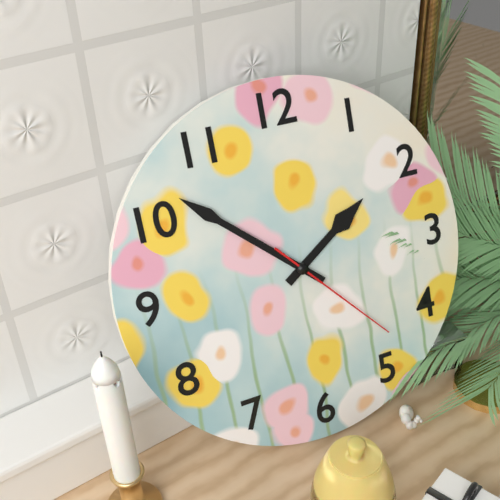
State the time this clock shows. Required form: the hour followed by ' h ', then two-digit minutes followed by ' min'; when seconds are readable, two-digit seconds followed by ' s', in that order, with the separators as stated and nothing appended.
1 h 52 min 23 s
